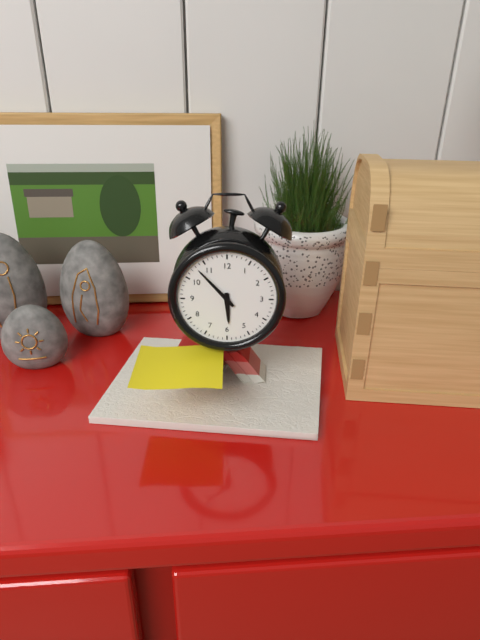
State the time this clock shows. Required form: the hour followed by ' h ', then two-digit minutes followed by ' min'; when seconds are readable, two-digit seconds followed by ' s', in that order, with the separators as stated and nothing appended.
5 h 53 min
